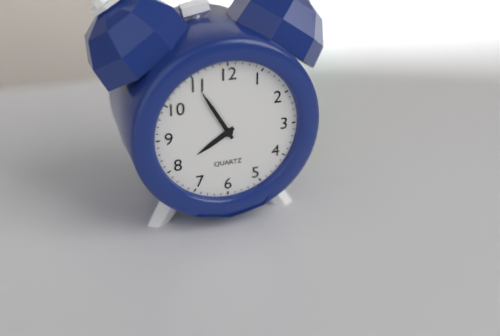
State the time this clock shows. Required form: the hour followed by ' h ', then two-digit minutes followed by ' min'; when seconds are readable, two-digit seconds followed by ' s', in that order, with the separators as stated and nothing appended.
7 h 55 min
